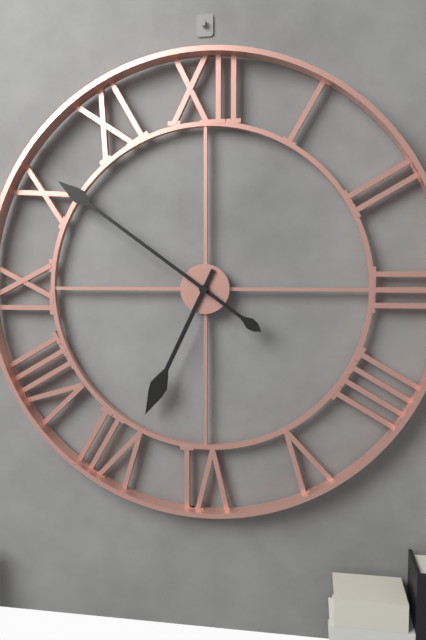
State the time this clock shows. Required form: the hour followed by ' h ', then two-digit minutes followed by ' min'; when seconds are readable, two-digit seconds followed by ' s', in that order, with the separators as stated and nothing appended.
6 h 51 min
